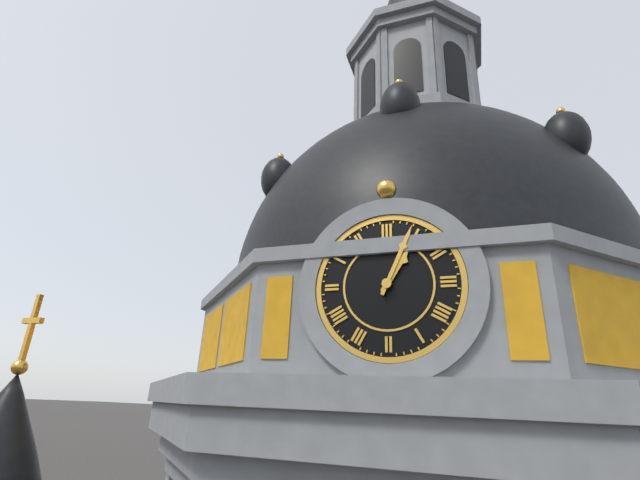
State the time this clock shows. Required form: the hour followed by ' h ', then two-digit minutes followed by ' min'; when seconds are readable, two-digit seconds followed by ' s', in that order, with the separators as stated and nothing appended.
1 h 04 min
